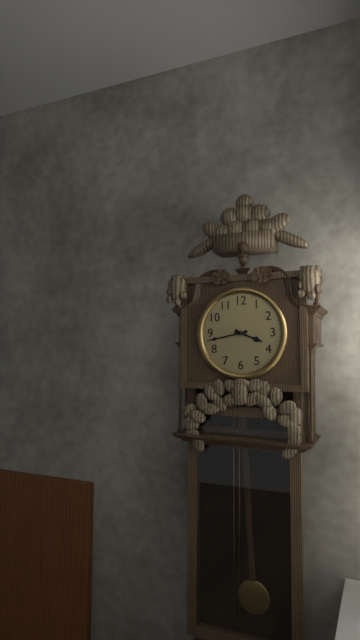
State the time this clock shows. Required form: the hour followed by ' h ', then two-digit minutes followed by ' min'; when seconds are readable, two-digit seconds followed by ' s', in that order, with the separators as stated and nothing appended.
3 h 43 min
